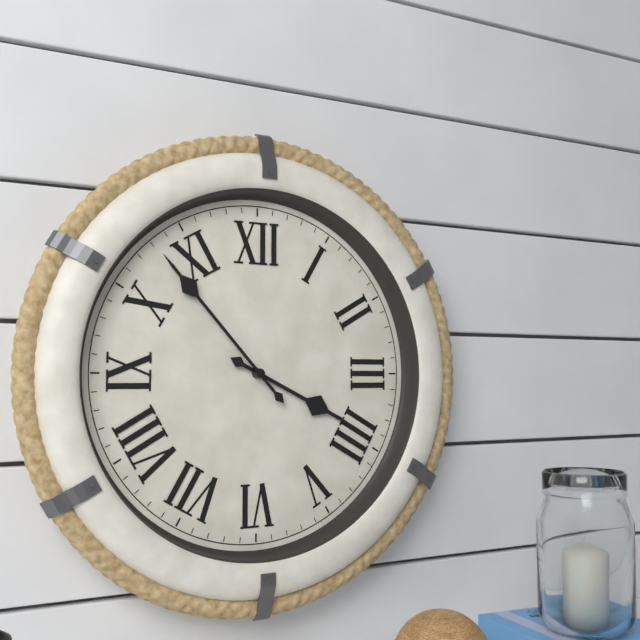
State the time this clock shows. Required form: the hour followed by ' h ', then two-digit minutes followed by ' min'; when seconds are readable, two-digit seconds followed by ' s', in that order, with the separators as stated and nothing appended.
3 h 53 min
